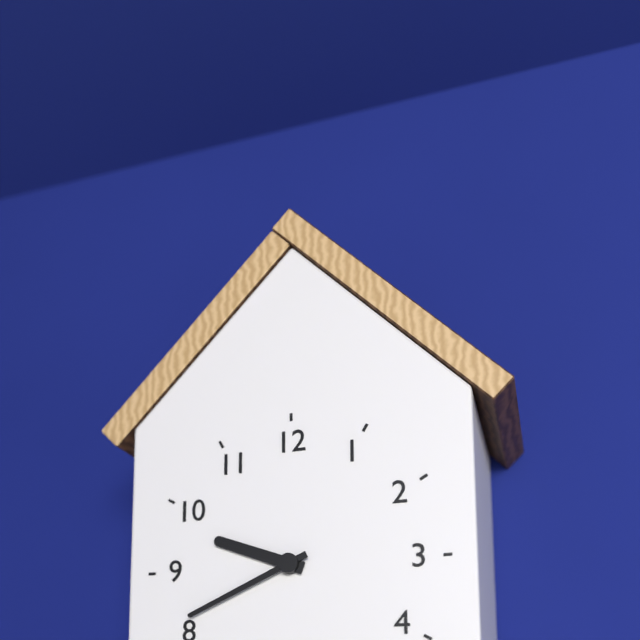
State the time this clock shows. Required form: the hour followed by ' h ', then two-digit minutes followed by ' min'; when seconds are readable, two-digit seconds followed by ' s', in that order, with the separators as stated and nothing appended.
9 h 41 min
